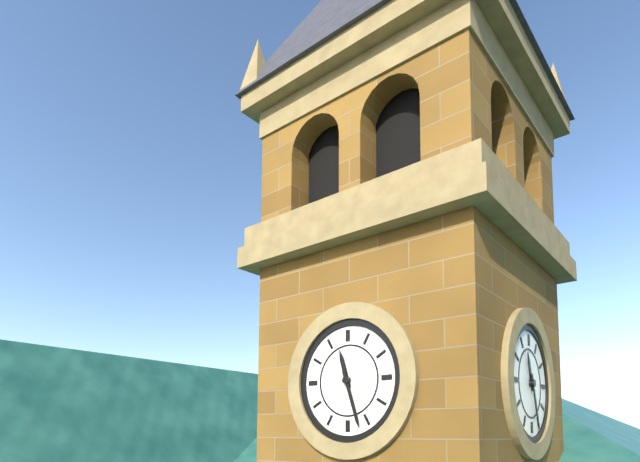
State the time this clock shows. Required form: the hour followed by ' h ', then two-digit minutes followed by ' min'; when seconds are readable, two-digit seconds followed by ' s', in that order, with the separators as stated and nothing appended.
11 h 27 min
